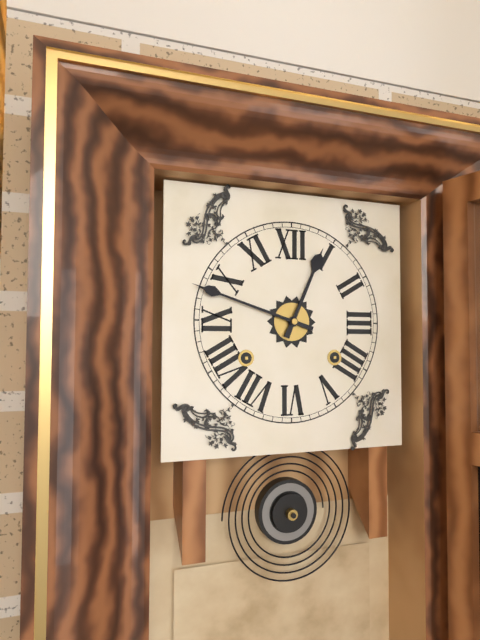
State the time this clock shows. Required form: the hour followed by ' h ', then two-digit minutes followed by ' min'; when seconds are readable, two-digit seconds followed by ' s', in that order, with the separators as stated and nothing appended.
12 h 48 min
